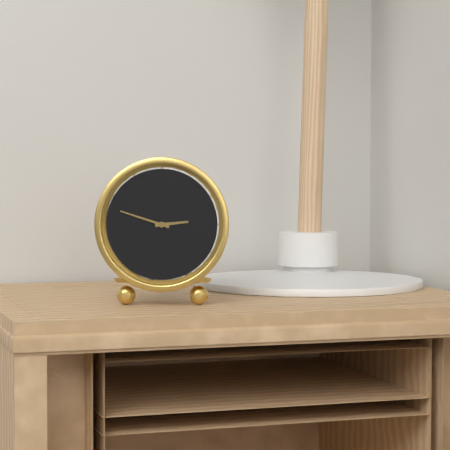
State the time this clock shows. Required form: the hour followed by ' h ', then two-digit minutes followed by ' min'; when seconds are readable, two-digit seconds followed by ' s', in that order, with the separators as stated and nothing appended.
2 h 48 min
